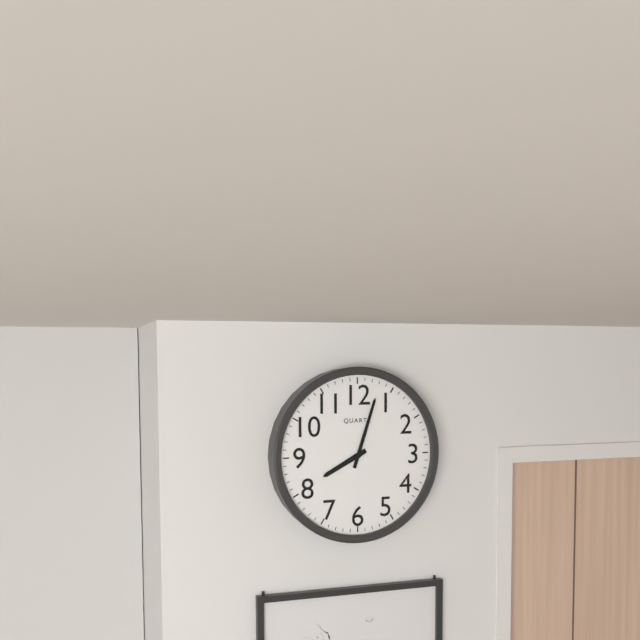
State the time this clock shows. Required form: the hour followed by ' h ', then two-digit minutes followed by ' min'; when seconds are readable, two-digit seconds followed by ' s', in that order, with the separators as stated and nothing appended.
8 h 03 min
